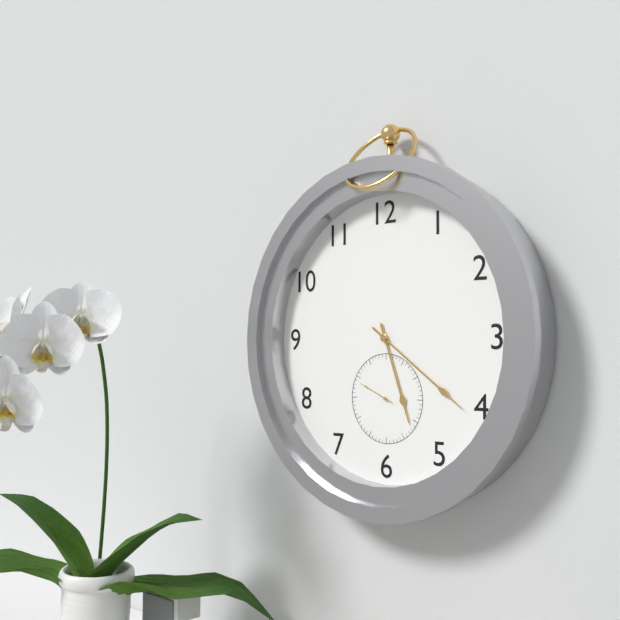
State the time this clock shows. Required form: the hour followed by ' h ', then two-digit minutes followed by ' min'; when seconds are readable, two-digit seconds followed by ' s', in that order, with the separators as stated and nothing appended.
5 h 21 min
